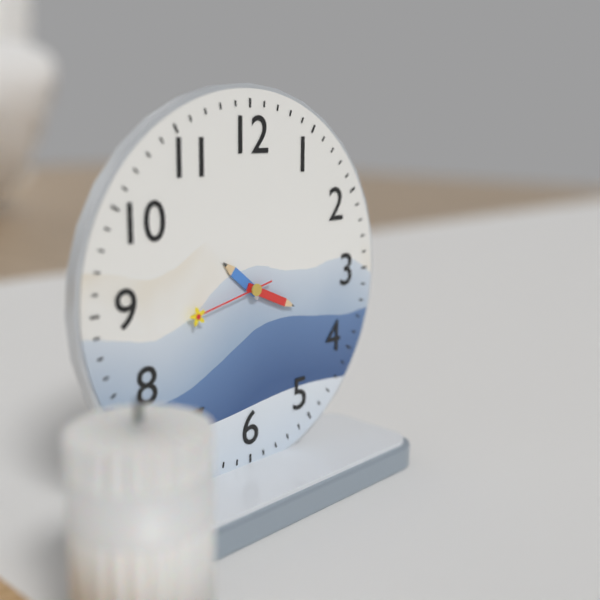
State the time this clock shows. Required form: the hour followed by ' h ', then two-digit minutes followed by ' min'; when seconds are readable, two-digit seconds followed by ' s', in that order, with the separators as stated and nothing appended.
10 h 19 min 43 s
